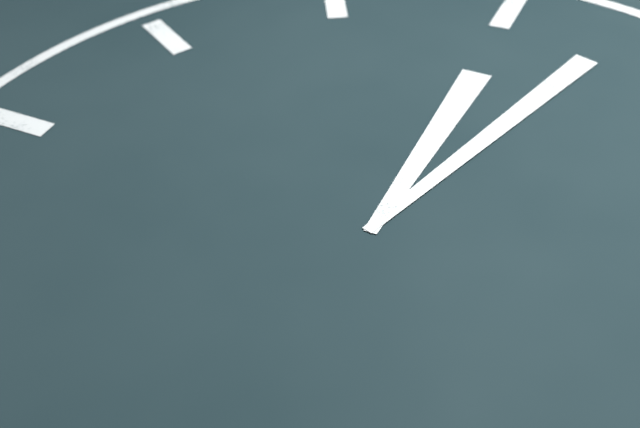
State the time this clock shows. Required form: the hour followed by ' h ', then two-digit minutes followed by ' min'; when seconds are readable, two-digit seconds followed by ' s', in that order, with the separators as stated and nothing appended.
12 h 03 min
